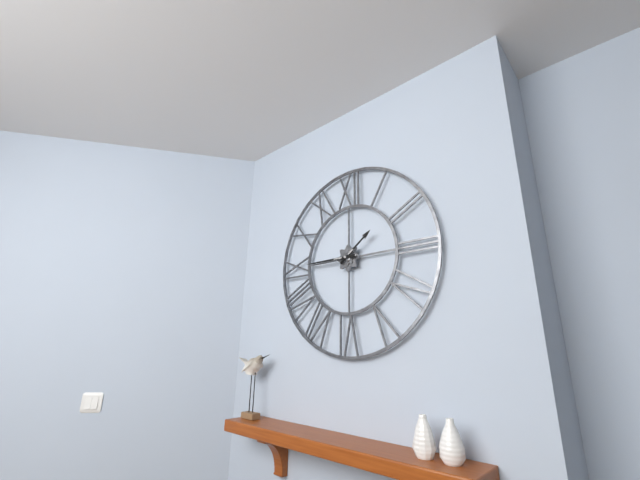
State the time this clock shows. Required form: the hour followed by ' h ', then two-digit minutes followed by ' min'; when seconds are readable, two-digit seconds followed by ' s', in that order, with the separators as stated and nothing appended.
1 h 45 min
